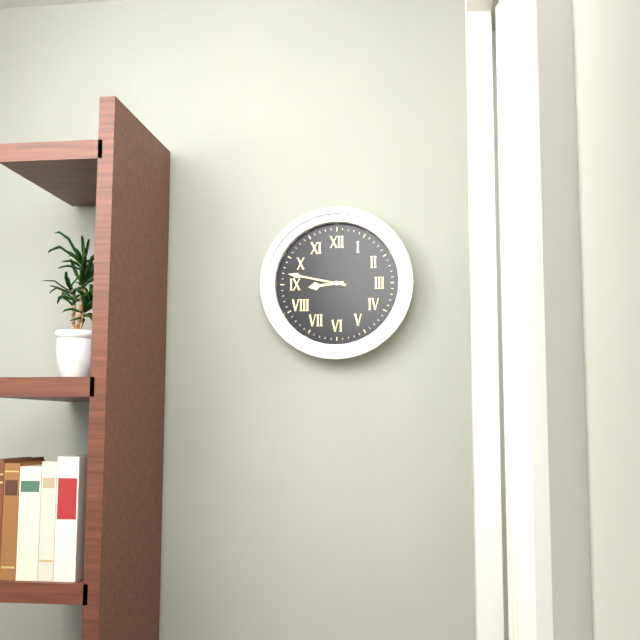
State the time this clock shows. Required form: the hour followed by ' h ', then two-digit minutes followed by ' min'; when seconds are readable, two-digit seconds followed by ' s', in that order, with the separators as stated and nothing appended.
8 h 47 min
